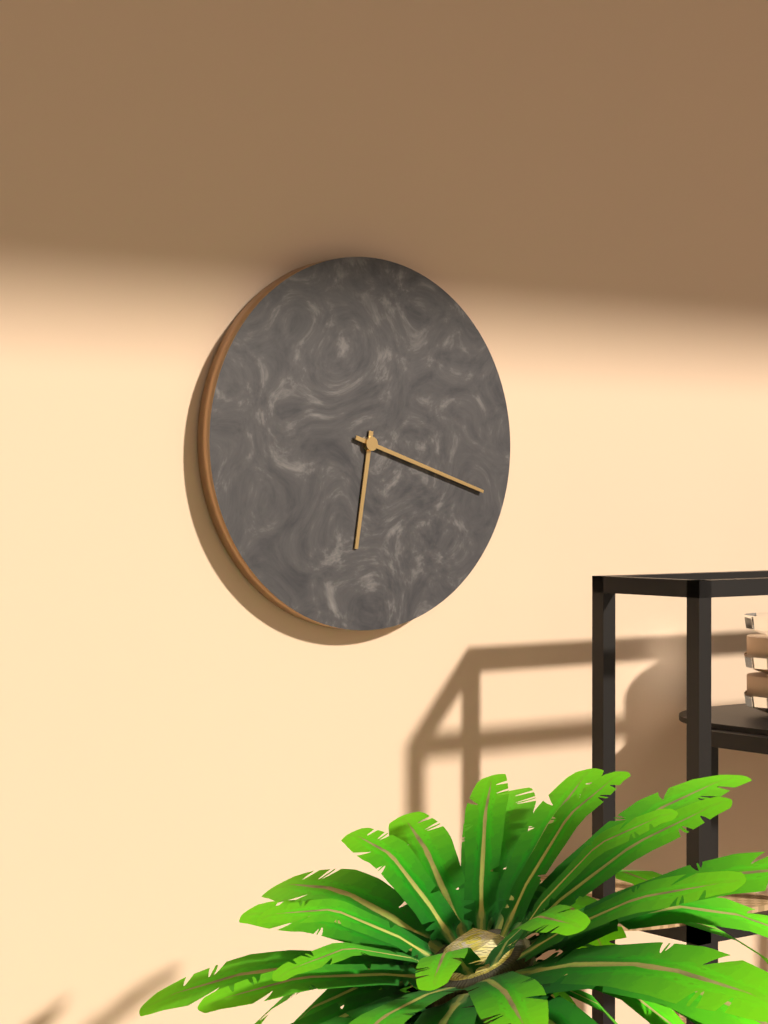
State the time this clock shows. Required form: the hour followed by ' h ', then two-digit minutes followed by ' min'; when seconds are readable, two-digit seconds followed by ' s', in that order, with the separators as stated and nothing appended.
6 h 18 min
